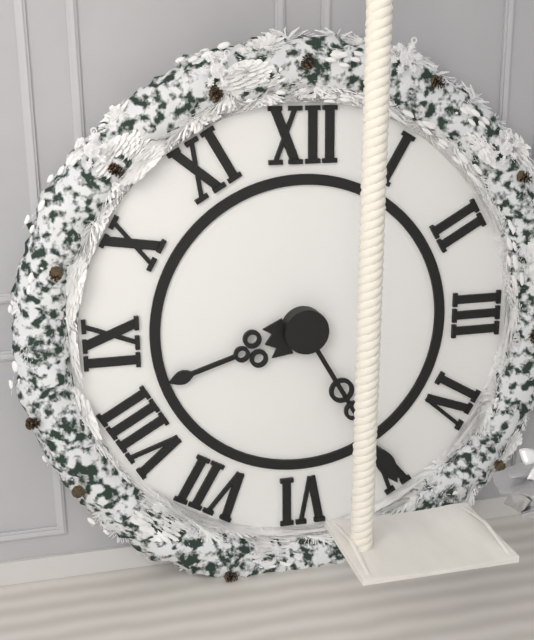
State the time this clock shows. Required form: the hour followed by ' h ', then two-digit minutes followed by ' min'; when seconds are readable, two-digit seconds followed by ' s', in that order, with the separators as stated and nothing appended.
8 h 25 min
